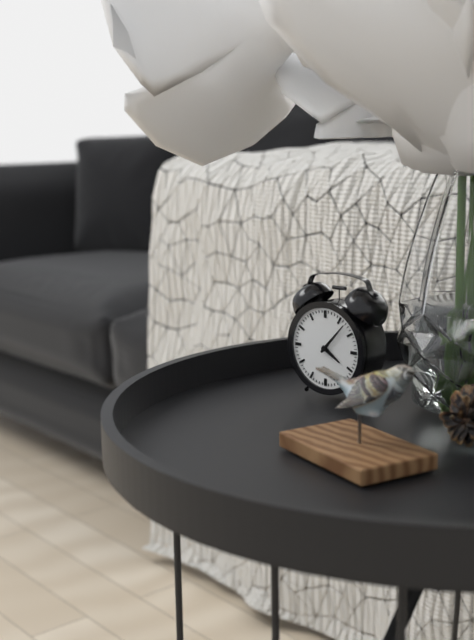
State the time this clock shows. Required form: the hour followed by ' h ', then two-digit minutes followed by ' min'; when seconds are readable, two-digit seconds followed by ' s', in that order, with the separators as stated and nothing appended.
4 h 07 min
